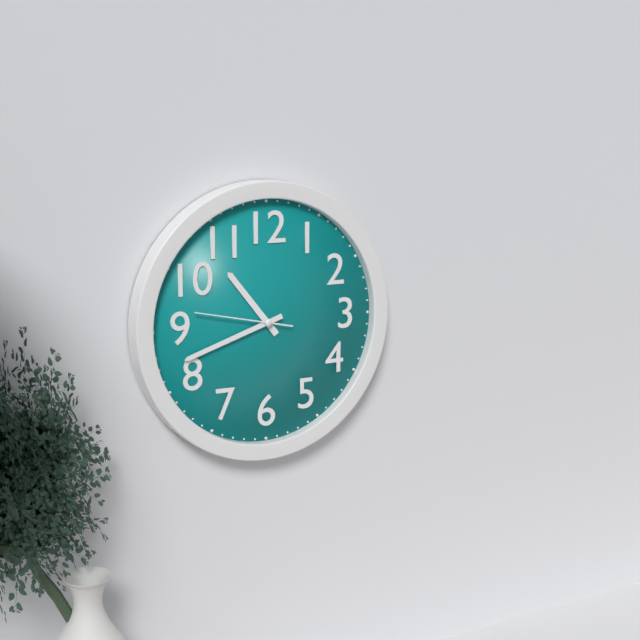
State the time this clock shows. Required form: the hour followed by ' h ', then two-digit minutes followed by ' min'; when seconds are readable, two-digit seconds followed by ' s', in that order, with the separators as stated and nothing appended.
10 h 42 min 47 s
